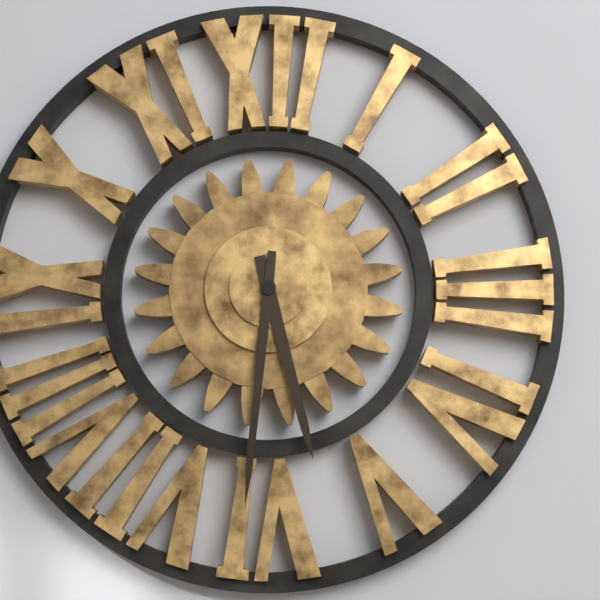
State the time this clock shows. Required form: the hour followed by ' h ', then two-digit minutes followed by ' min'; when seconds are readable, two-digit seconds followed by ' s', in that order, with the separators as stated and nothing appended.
5 h 31 min
